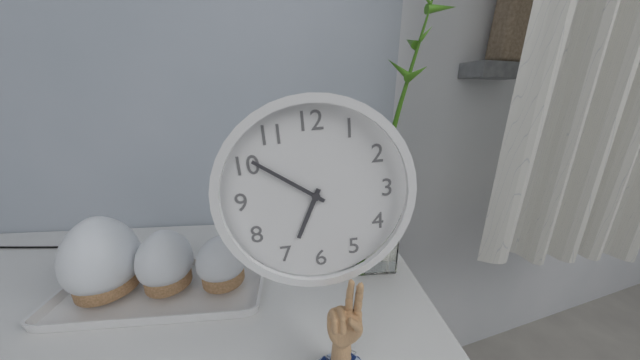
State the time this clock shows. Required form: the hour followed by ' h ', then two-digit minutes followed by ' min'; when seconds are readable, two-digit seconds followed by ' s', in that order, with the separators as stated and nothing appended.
6 h 51 min
